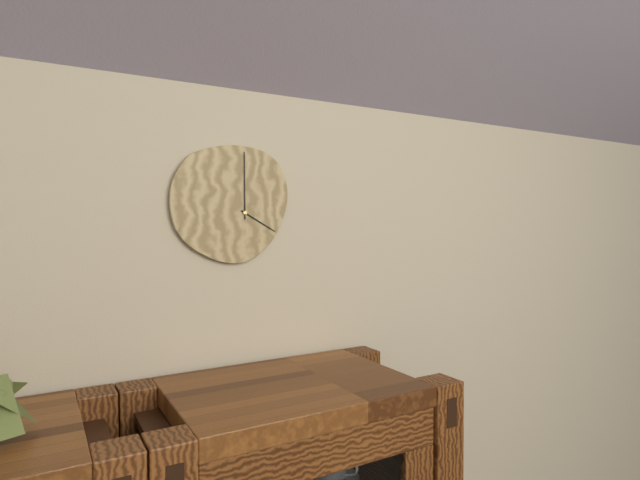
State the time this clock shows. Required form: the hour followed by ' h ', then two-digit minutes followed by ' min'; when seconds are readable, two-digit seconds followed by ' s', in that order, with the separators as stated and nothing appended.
4 h 00 min
